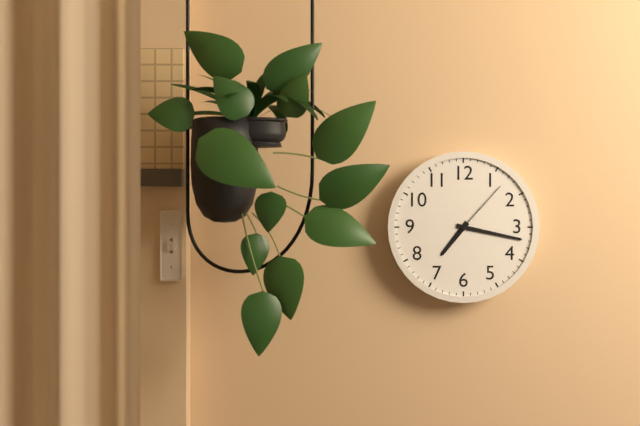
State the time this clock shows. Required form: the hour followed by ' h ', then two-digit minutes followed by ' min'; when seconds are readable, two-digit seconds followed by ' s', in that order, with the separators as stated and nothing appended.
7 h 17 min 07 s
